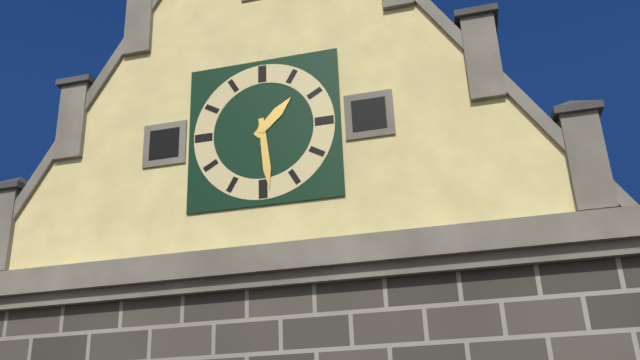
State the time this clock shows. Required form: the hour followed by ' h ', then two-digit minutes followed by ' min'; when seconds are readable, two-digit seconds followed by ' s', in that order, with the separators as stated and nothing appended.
1 h 29 min
